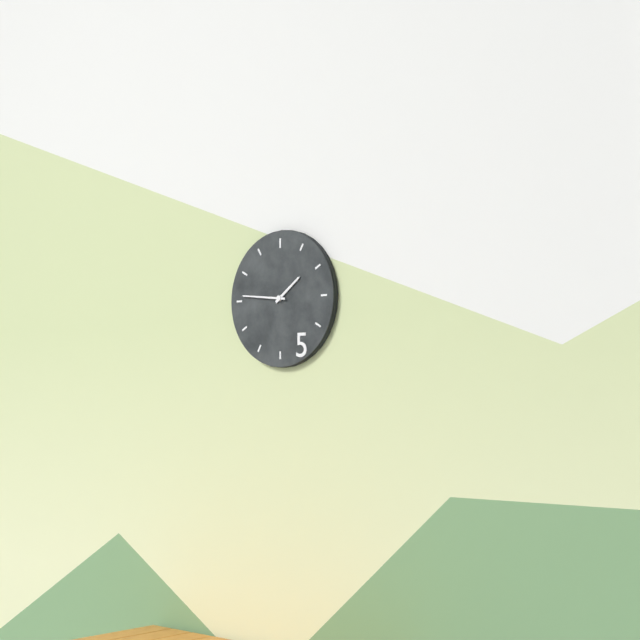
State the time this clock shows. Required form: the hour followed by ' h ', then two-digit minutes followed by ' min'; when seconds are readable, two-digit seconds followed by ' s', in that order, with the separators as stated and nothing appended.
1 h 46 min
